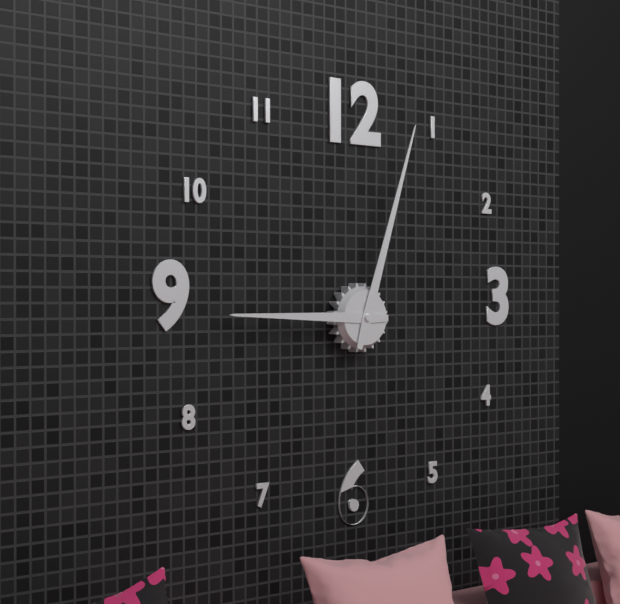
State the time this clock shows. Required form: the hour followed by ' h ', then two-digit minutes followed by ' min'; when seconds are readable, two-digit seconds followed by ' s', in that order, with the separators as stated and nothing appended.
9 h 03 min
